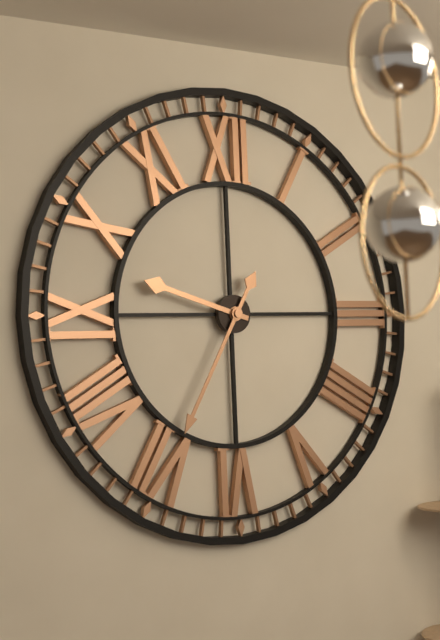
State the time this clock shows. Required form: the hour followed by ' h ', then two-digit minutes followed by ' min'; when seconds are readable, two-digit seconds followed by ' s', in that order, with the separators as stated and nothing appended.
9 h 35 min
